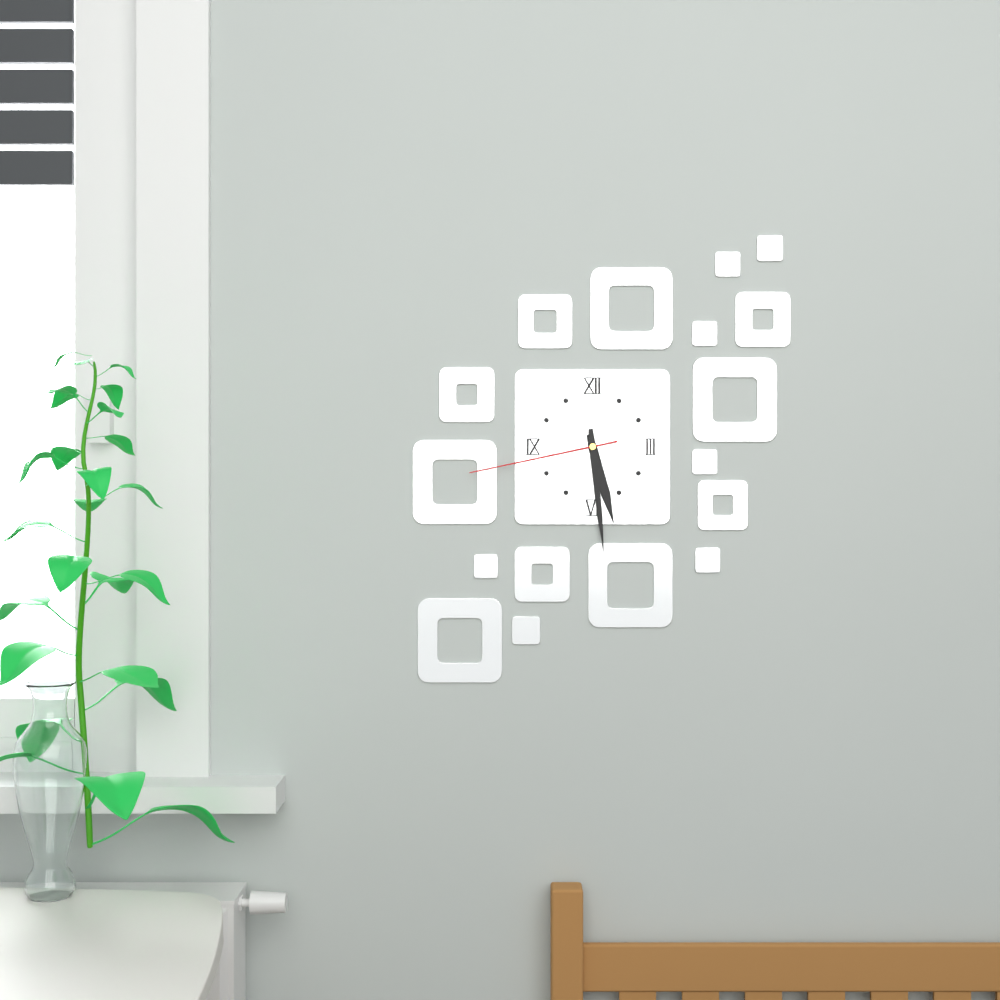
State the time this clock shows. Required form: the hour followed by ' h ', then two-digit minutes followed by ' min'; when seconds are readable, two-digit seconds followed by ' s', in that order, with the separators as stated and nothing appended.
5 h 29 min 43 s
